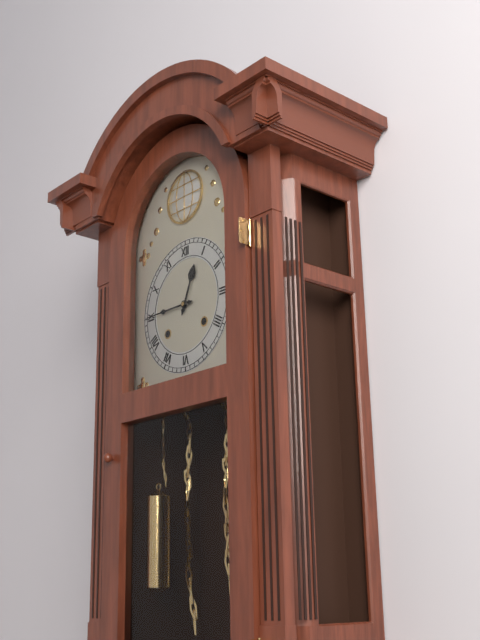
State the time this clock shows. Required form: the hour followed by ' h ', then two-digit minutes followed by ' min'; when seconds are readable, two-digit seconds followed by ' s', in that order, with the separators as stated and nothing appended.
12 h 45 min
